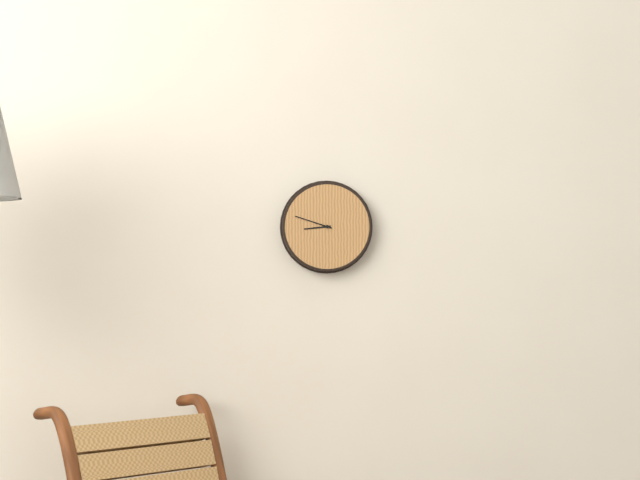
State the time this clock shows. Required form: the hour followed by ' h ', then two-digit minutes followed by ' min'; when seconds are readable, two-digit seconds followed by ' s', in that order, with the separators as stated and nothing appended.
8 h 48 min
